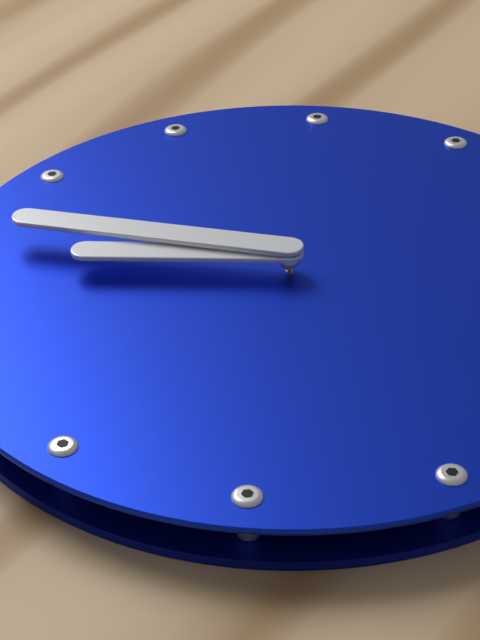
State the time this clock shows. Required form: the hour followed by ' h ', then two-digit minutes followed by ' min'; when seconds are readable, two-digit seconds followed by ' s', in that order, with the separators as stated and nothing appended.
9 h 51 min
